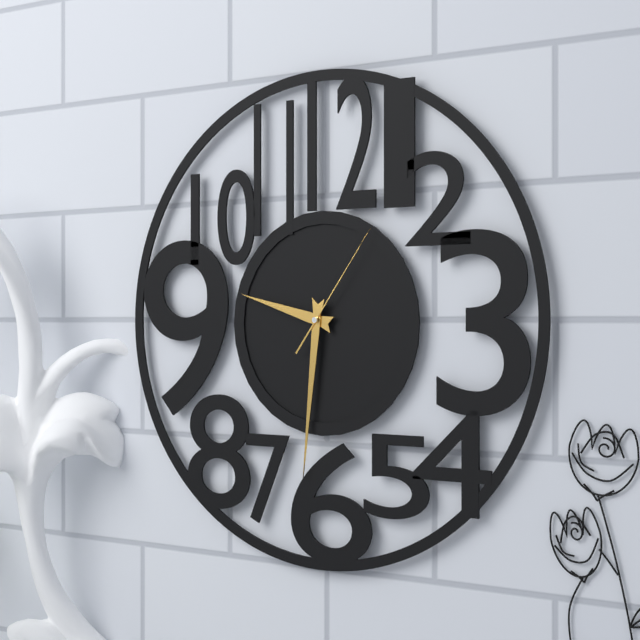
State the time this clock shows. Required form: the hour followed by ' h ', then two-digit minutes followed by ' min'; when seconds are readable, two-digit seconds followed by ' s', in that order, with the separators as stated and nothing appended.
9 h 31 min 06 s
